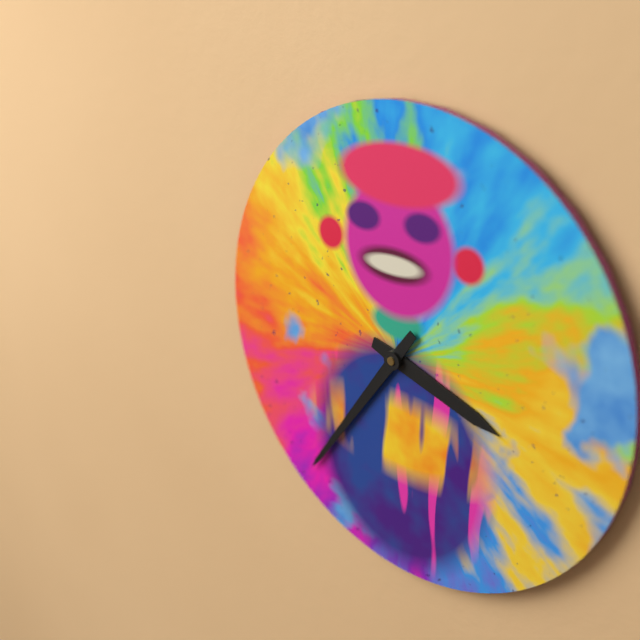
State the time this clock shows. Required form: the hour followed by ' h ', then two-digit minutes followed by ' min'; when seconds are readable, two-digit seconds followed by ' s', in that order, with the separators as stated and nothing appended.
3 h 36 min
